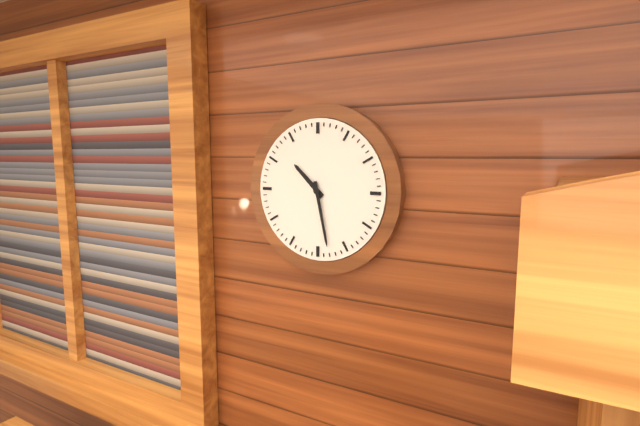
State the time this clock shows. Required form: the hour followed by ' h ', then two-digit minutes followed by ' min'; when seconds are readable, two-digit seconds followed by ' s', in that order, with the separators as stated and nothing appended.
10 h 28 min
